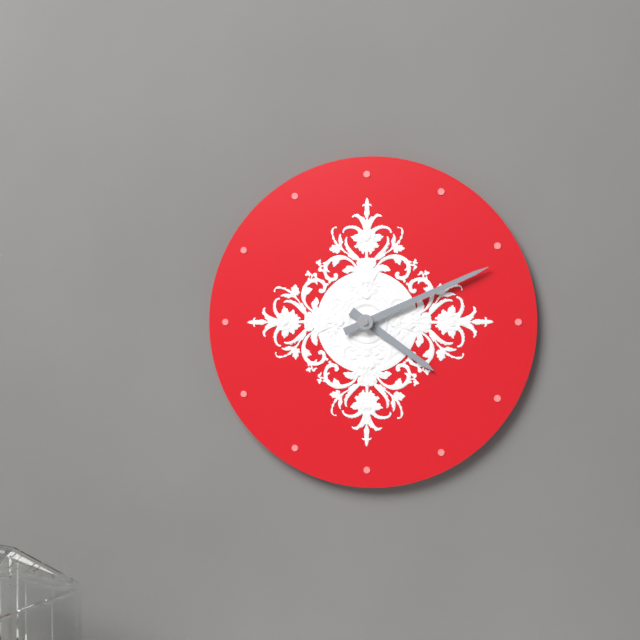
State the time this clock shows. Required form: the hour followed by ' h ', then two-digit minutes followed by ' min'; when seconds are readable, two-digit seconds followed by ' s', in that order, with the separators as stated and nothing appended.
4 h 11 min
